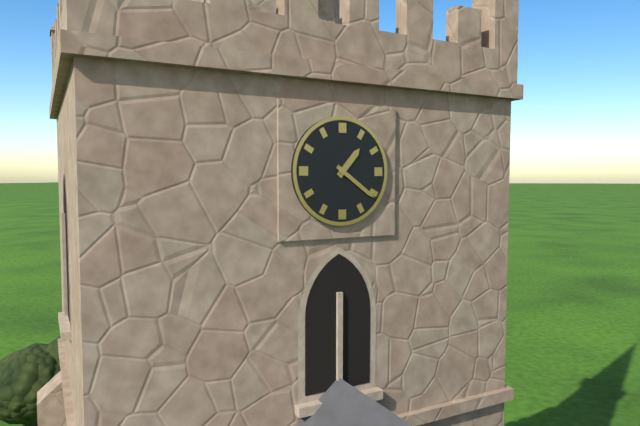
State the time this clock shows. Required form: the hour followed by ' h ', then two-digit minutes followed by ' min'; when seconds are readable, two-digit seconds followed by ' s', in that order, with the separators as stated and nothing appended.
1 h 21 min
